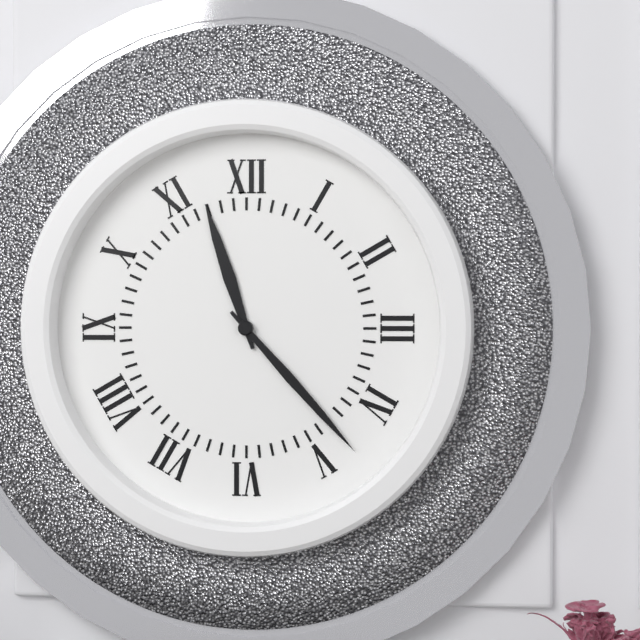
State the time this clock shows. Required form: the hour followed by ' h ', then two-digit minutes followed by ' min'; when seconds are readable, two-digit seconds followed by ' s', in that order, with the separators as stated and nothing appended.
11 h 23 min
